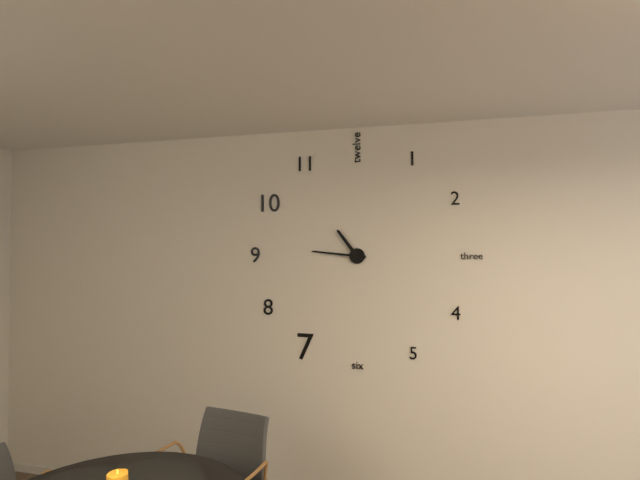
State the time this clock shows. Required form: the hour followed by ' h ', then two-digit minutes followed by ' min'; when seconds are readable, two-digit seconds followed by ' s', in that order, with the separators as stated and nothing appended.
10 h 46 min
